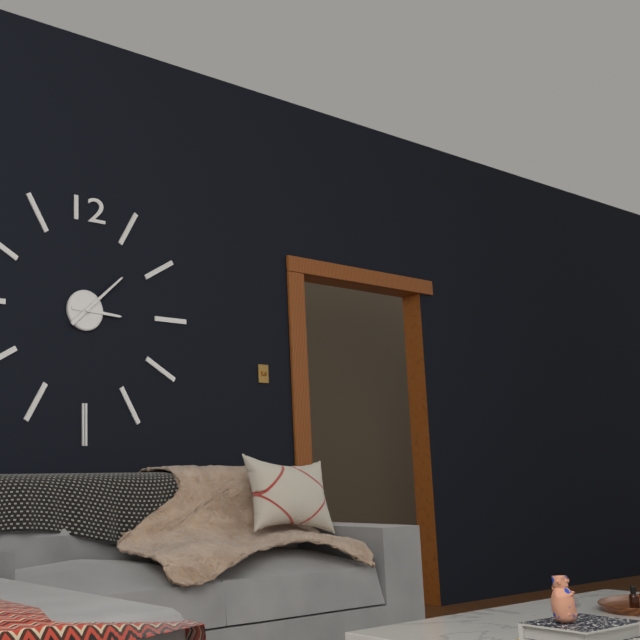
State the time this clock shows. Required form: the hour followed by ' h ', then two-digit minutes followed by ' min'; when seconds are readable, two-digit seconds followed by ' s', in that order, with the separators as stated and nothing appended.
3 h 08 min
